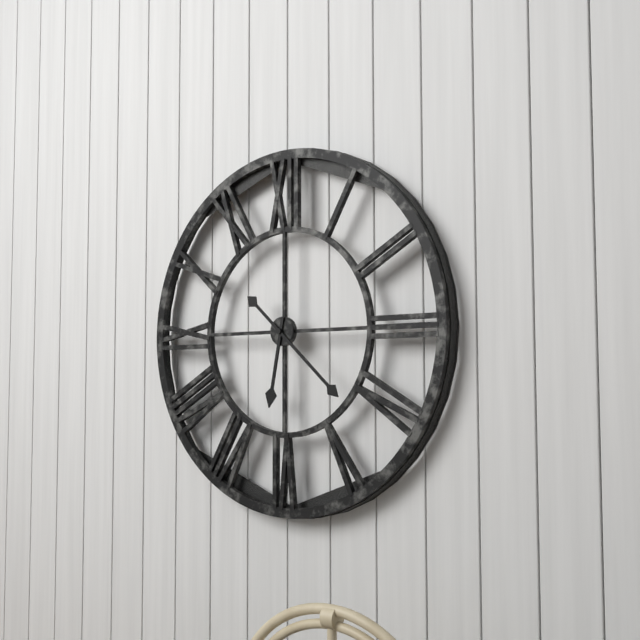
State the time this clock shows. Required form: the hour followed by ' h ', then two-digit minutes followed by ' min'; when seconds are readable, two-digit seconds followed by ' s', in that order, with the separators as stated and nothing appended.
6 h 22 min
